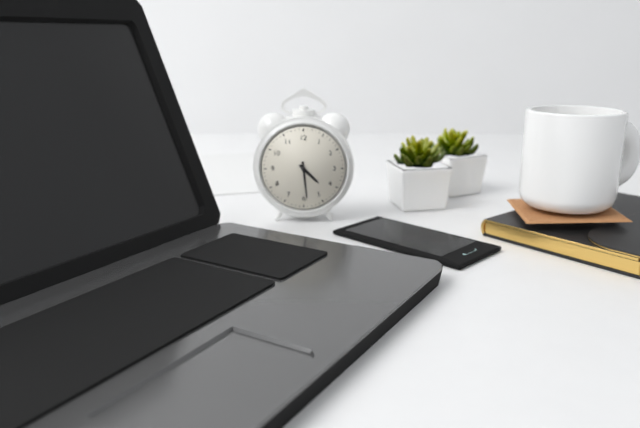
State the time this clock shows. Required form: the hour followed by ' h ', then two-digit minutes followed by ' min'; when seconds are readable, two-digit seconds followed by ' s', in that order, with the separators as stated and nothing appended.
4 h 29 min
